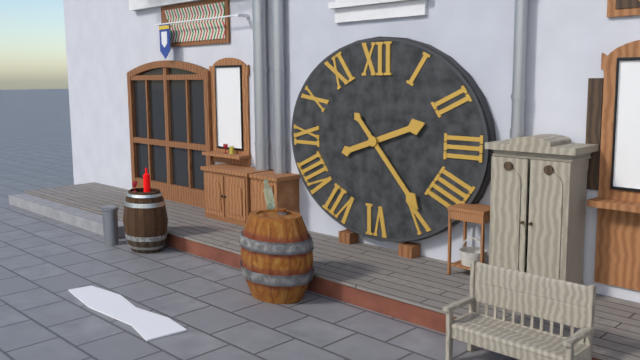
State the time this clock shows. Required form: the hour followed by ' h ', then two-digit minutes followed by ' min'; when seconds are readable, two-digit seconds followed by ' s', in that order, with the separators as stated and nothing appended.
2 h 23 min
